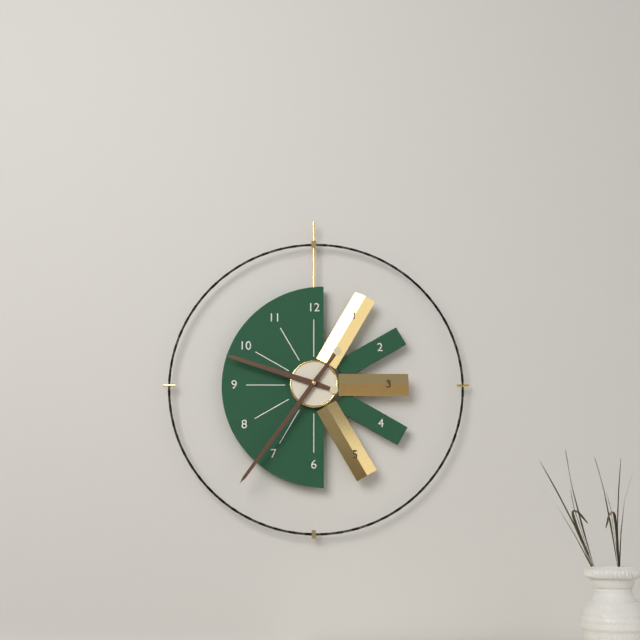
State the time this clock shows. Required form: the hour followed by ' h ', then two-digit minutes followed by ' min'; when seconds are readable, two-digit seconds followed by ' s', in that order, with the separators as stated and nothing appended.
9 h 36 min
